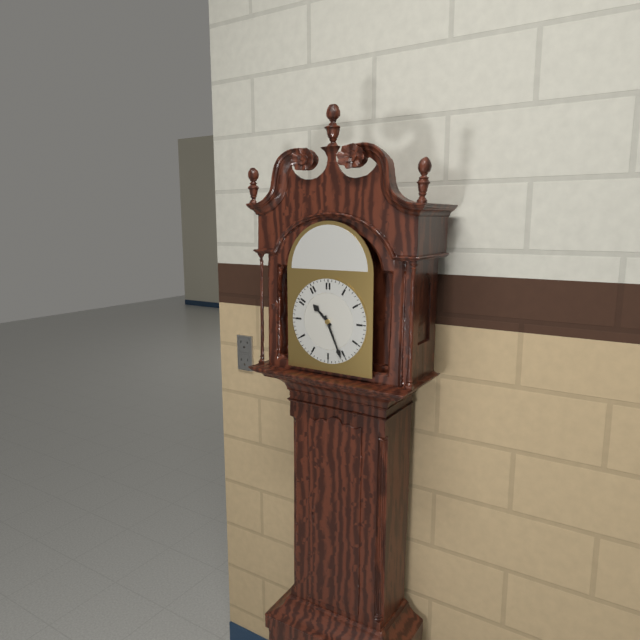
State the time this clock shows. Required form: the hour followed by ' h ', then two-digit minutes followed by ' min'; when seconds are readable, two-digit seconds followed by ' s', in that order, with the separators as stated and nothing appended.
10 h 26 min
